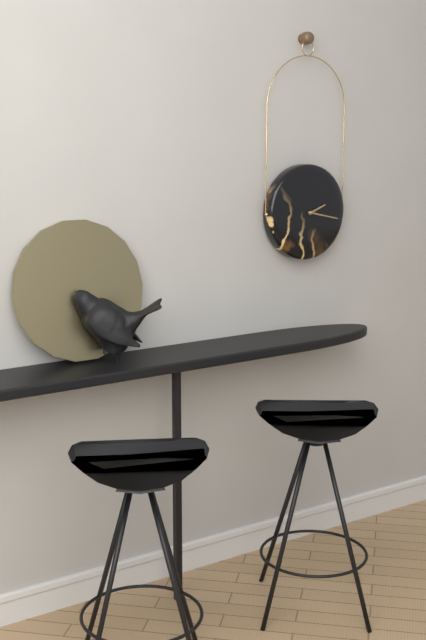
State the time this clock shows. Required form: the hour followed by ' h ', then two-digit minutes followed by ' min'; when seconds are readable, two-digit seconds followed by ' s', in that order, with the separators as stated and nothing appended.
2 h 17 min
